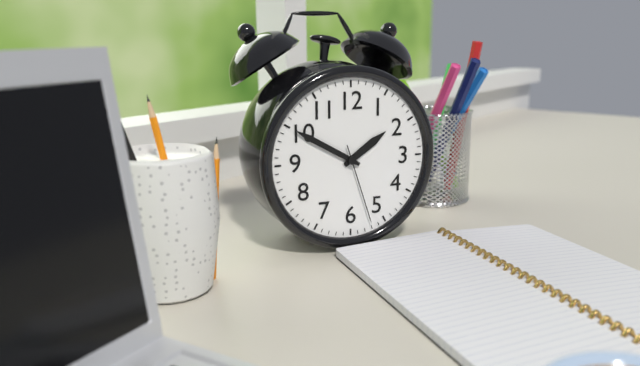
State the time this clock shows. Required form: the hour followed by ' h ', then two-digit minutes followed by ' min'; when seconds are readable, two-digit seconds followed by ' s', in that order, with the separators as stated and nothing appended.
1 h 50 min 27 s
